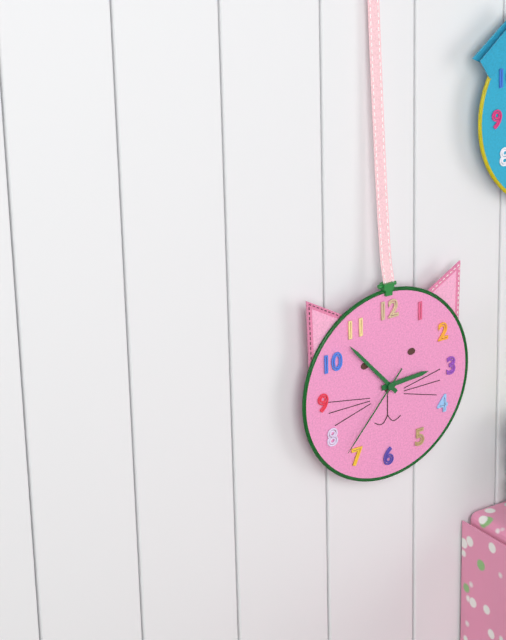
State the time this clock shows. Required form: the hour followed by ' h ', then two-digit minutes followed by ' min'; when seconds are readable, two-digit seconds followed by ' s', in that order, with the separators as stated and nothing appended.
2 h 53 min 37 s
